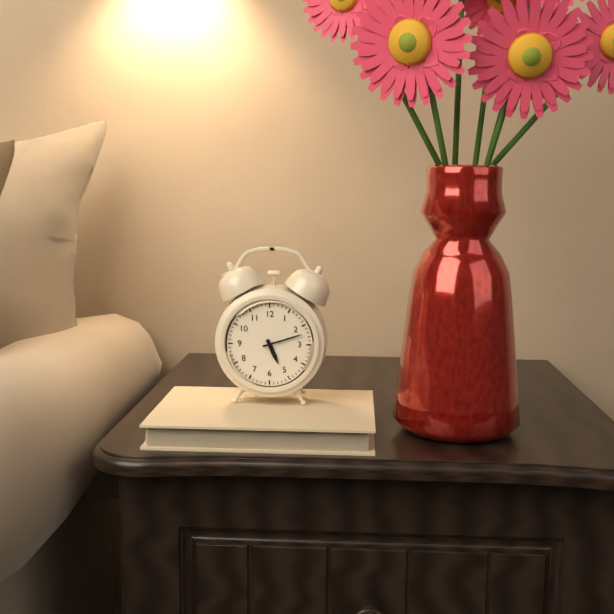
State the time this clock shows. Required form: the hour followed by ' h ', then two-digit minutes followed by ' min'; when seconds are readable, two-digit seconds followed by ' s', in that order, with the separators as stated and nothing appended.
5 h 12 min
